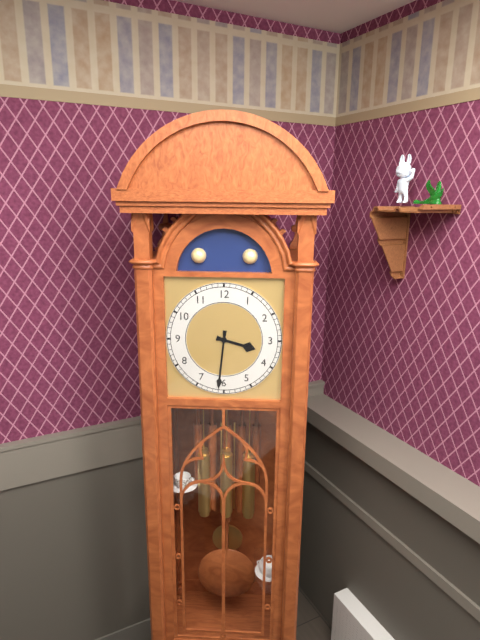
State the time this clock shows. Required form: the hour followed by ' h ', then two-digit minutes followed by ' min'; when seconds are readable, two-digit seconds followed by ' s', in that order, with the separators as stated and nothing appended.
3 h 31 min
